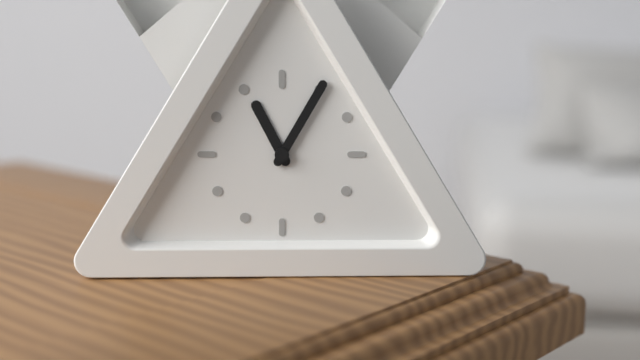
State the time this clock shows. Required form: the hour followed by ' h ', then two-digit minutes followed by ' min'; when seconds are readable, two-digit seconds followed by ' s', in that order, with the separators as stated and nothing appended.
11 h 05 min
